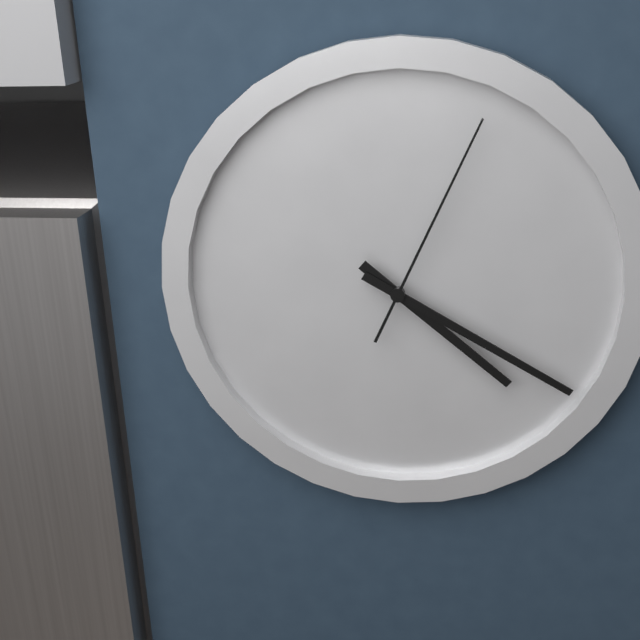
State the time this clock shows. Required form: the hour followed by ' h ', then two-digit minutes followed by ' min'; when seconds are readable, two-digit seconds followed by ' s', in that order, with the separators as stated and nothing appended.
4 h 20 min 04 s
